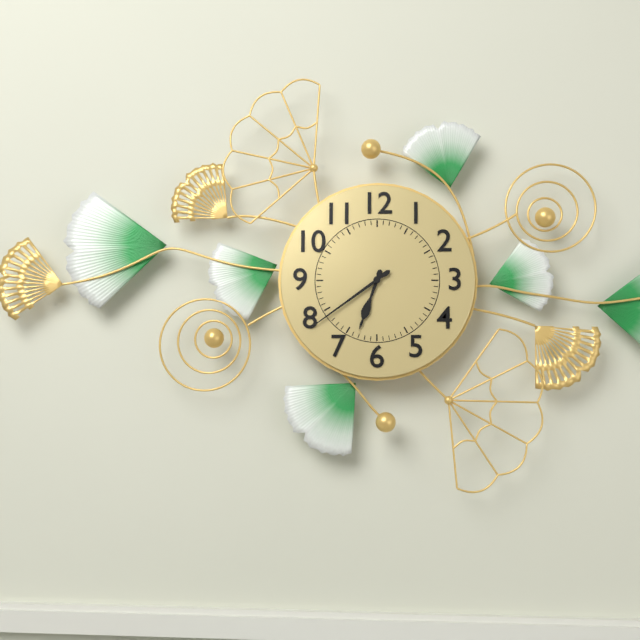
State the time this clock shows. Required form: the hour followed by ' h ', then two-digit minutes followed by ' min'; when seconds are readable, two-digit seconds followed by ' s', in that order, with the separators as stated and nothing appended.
6 h 39 min
